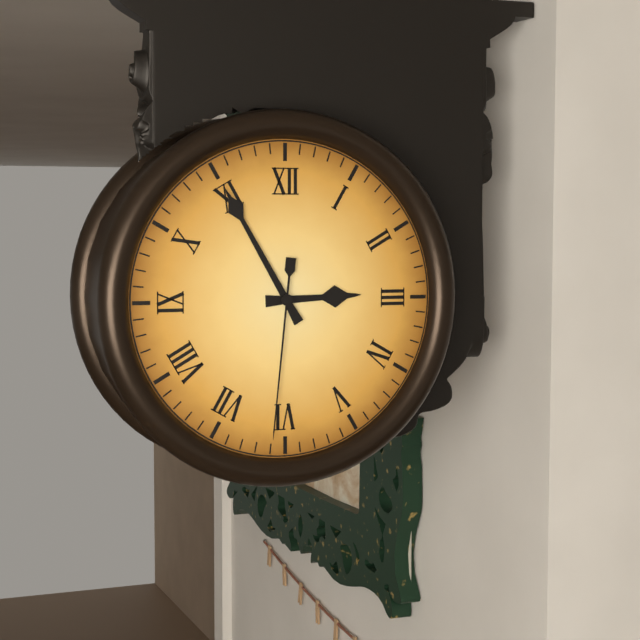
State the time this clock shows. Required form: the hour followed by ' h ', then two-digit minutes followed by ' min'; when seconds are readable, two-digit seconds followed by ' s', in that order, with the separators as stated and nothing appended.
2 h 55 min 31 s
